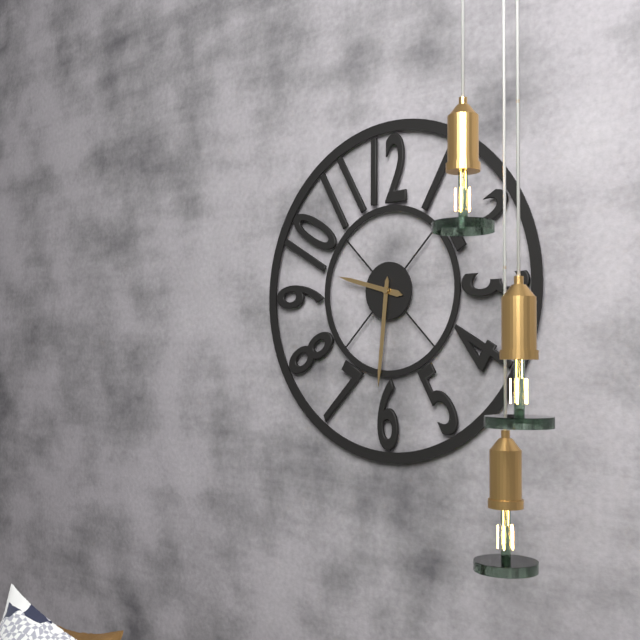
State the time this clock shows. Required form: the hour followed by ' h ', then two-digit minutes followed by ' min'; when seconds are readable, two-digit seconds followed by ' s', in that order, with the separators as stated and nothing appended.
9 h 31 min
